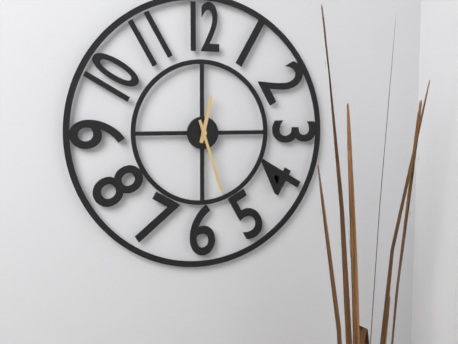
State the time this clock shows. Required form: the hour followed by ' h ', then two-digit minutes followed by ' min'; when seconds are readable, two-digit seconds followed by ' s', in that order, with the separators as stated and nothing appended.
12 h 27 min
